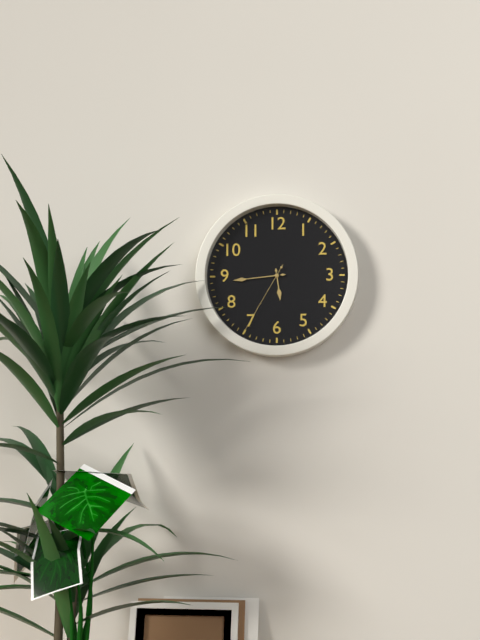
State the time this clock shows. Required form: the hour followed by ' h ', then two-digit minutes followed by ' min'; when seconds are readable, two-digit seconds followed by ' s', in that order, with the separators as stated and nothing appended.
5 h 44 min 35 s
